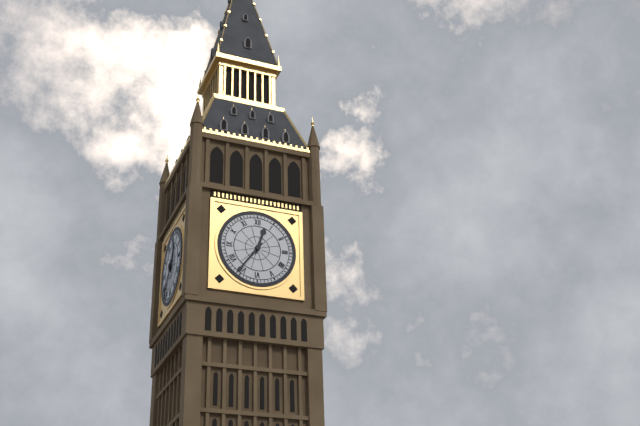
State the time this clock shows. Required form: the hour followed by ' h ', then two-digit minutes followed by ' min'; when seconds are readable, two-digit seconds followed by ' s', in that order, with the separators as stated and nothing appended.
12 h 36 min
